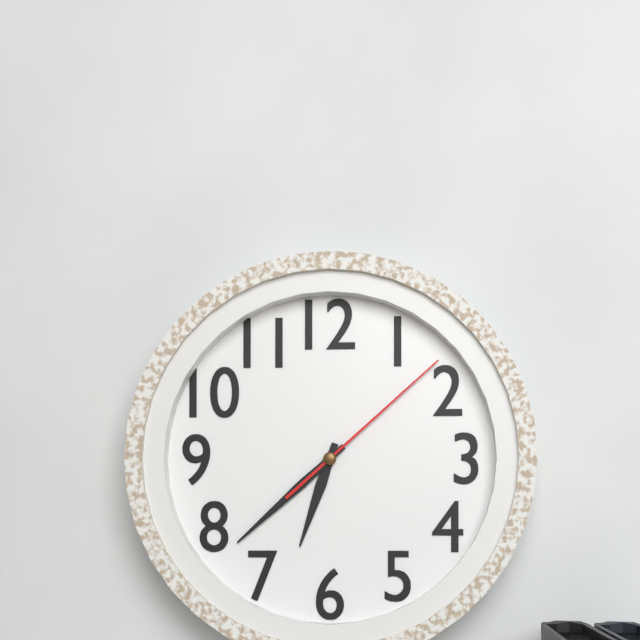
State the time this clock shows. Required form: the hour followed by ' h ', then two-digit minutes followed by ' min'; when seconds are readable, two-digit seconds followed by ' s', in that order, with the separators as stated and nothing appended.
6 h 38 min 08 s
